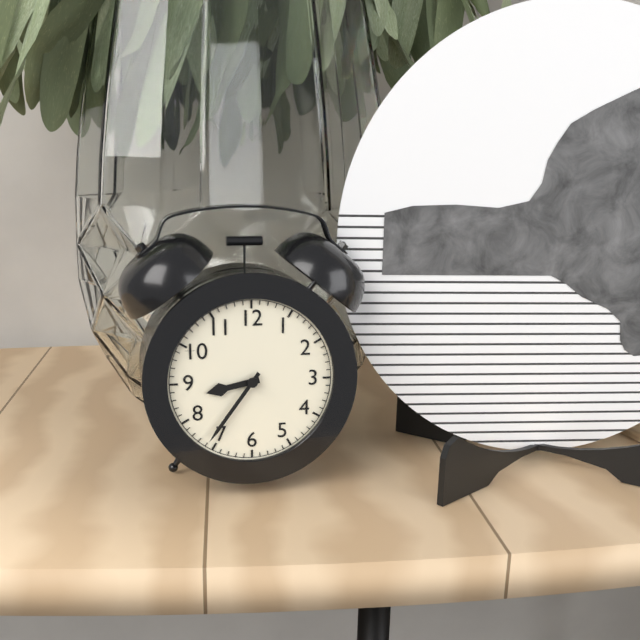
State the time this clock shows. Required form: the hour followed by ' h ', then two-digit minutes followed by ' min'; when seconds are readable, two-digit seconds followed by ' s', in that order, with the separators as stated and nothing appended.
8 h 36 min
